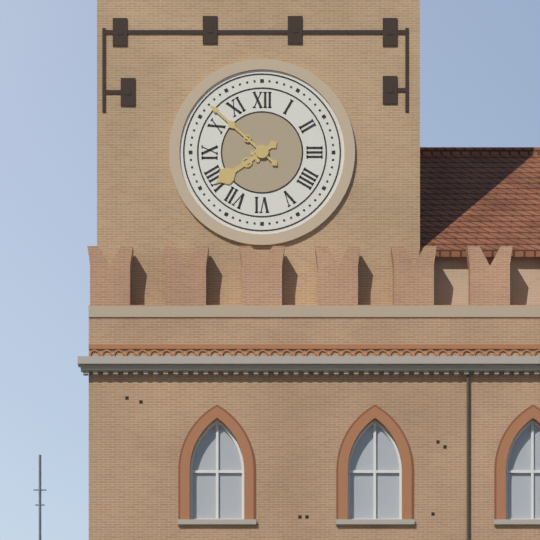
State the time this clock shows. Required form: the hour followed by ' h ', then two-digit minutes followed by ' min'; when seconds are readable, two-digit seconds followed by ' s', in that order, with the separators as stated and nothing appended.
7 h 52 min
